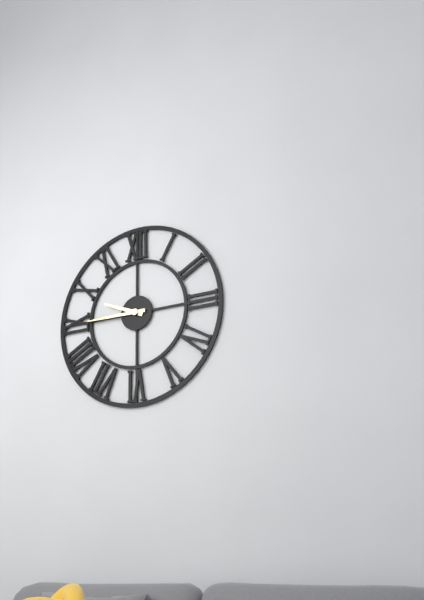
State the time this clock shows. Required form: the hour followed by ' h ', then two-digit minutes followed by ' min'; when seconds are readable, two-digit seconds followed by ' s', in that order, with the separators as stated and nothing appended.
9 h 45 min
